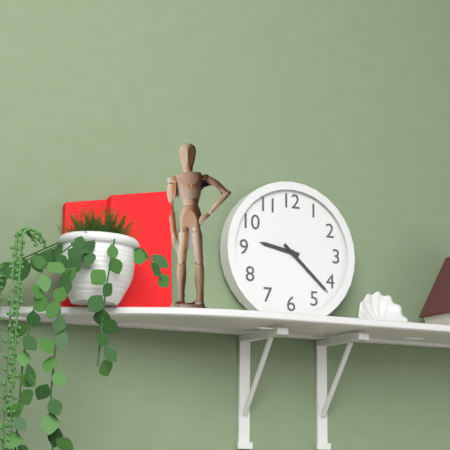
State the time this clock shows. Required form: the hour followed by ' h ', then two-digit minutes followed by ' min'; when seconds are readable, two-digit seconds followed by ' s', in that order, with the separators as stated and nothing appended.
9 h 22 min
